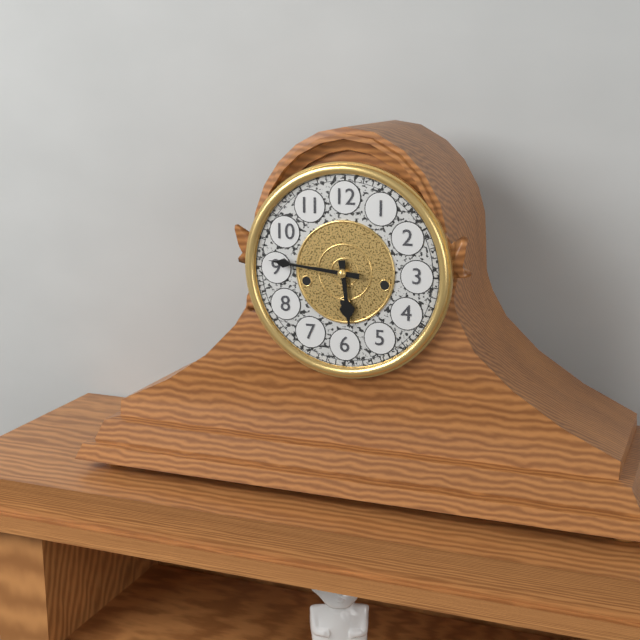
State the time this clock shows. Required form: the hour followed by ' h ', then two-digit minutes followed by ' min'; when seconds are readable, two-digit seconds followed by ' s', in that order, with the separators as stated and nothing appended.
5 h 46 min
